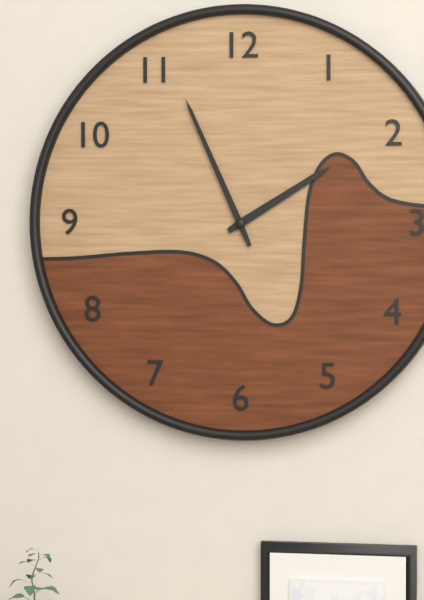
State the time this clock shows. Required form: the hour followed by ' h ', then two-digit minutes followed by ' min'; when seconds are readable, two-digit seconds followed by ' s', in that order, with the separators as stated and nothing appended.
1 h 56 min
